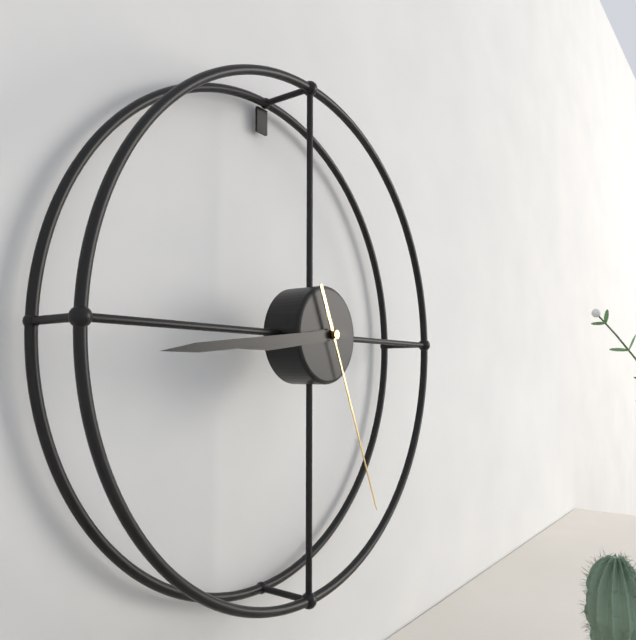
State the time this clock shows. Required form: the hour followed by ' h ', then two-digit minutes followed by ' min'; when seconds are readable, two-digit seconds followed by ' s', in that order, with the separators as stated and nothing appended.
8 h 44 min 26 s
